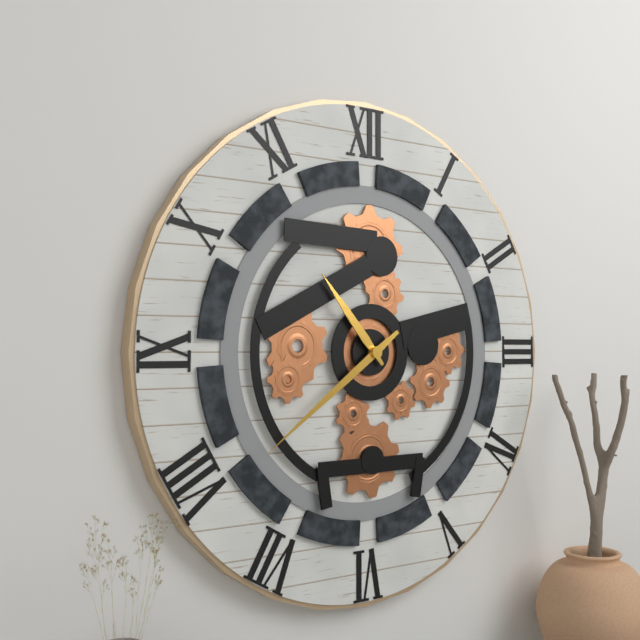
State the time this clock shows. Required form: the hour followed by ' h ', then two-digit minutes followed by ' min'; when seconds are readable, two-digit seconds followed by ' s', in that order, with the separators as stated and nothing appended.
10 h 39 min
